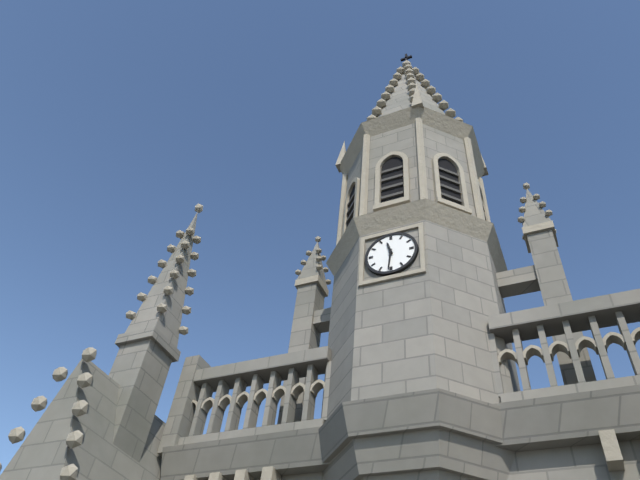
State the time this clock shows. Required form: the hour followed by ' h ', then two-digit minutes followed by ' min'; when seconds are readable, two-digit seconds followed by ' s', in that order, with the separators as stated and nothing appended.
11 h 31 min
